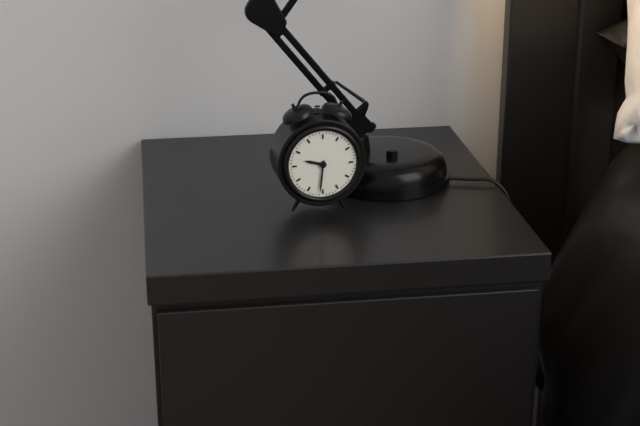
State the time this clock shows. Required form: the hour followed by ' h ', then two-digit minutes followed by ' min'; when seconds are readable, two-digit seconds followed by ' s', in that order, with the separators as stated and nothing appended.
9 h 31 min
